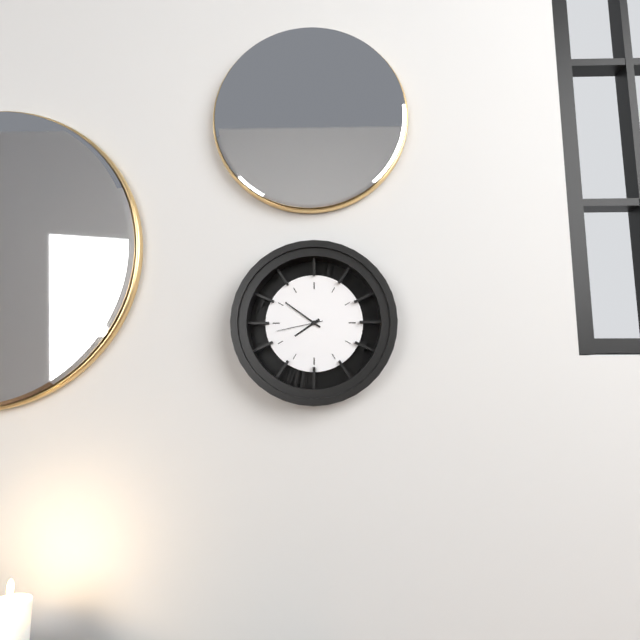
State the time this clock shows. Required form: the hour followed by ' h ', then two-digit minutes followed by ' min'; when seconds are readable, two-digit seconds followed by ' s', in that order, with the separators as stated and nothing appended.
7 h 51 min
